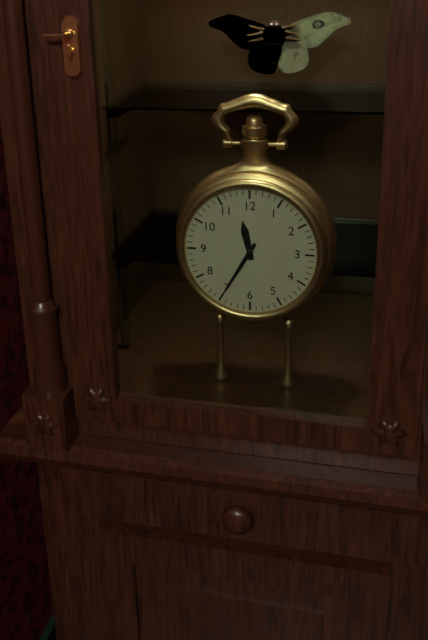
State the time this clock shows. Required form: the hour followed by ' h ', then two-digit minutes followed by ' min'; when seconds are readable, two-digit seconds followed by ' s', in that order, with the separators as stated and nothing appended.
11 h 35 min
